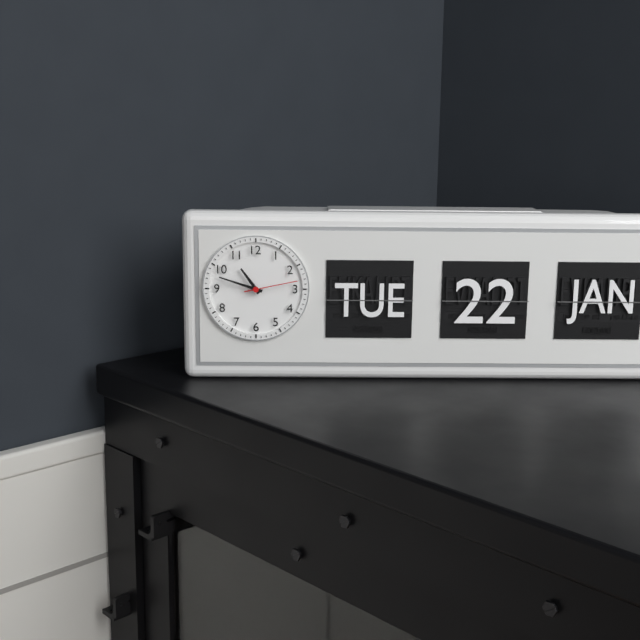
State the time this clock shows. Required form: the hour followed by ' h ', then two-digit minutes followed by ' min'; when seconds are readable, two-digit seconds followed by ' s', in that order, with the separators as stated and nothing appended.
10 h 48 min 13 s
